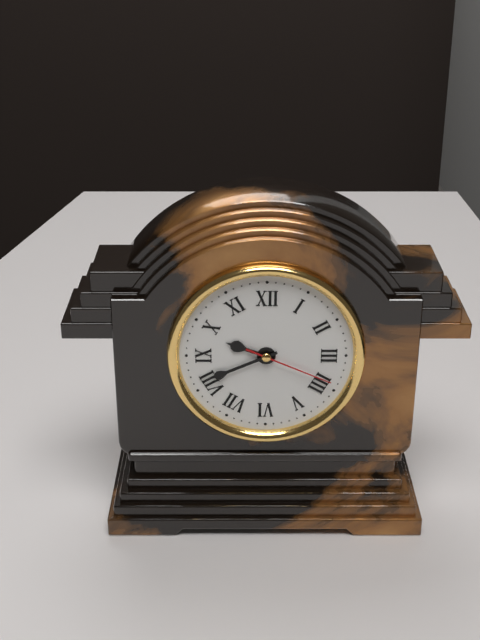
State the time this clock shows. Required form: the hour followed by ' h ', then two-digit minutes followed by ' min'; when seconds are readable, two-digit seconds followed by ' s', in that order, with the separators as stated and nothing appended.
9 h 41 min 19 s
